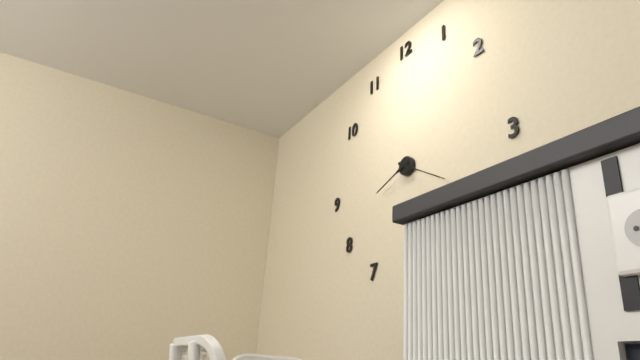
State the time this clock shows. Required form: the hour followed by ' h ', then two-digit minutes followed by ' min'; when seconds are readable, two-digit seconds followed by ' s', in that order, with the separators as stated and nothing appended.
8 h 20 min
